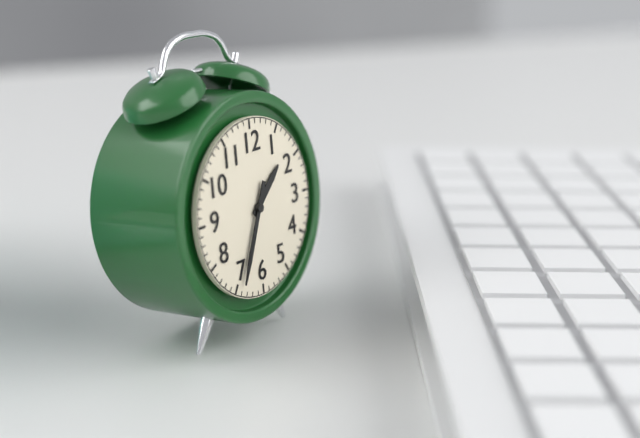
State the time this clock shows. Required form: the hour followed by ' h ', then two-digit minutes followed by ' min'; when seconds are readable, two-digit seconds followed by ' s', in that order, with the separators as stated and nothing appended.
1 h 34 min
